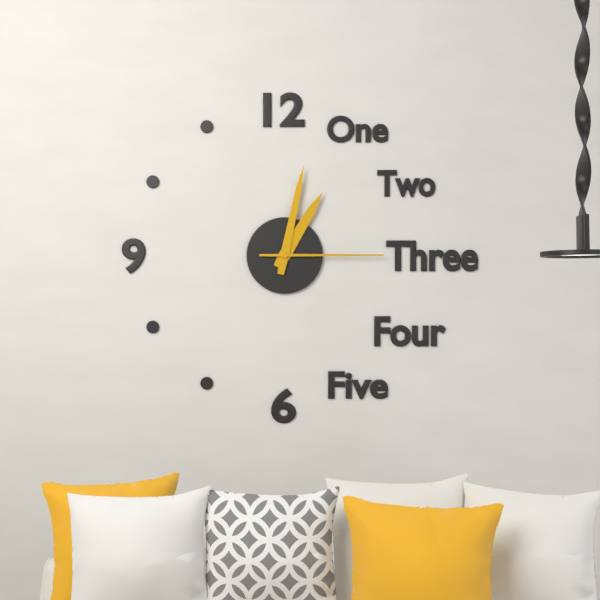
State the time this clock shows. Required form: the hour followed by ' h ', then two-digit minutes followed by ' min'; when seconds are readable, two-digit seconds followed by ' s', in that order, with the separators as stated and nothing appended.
1 h 02 min 15 s
